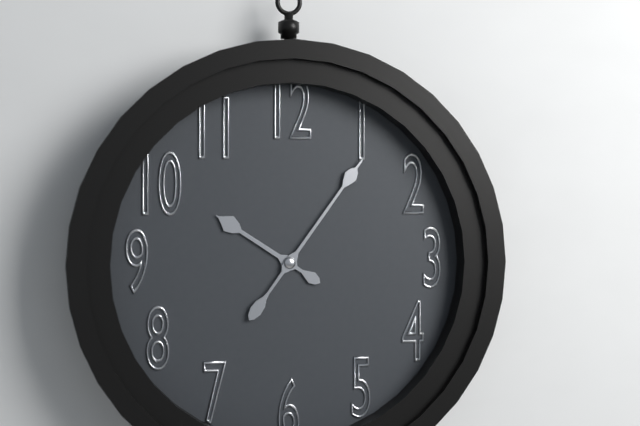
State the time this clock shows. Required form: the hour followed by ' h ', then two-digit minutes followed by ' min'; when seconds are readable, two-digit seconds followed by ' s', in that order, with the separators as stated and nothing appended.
10 h 06 min
